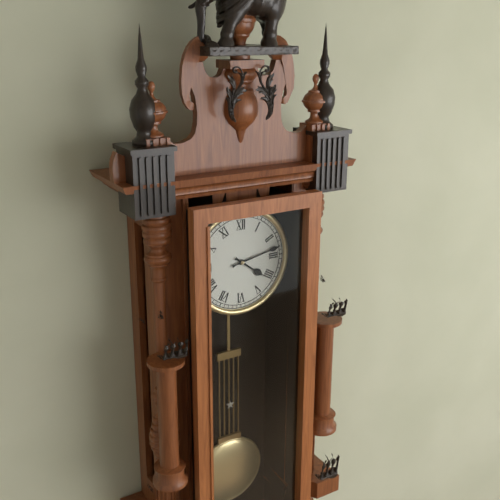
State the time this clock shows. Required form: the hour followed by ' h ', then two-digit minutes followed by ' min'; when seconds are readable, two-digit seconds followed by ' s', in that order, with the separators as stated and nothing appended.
4 h 13 min
